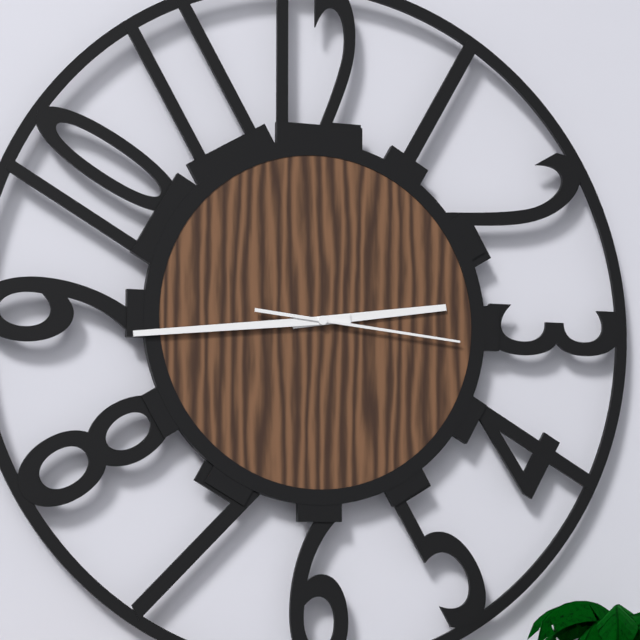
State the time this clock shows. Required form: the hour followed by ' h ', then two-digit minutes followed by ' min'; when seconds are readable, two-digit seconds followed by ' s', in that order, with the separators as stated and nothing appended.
2 h 44 min 16 s
